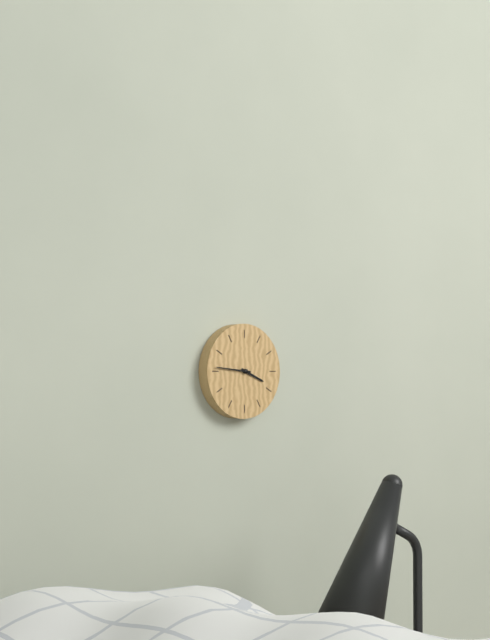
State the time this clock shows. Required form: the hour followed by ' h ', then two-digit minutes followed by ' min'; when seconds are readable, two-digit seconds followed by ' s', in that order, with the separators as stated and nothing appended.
3 h 46 min
